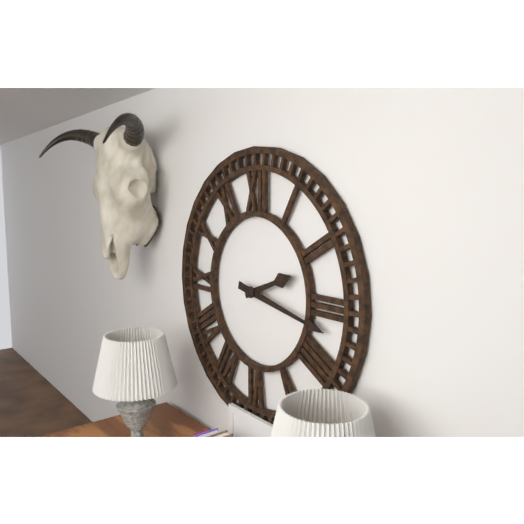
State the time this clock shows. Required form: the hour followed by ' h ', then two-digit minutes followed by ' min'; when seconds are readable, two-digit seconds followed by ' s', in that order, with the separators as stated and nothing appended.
2 h 17 min
